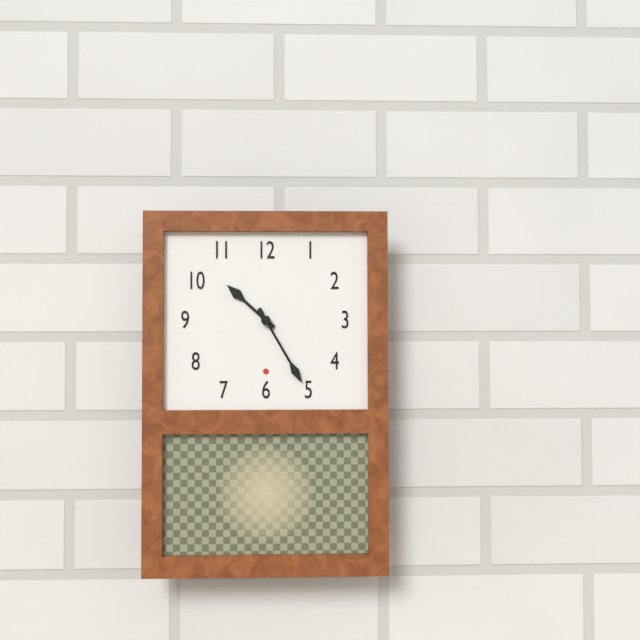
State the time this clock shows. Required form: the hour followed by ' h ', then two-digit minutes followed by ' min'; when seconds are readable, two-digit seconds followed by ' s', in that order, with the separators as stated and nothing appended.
10 h 25 min
